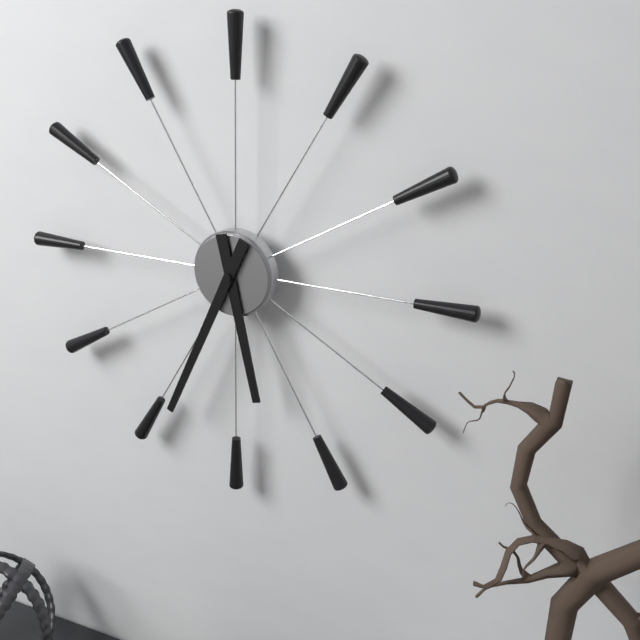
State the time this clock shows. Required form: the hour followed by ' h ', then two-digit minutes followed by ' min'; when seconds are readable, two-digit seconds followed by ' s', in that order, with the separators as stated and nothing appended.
5 h 34 min
